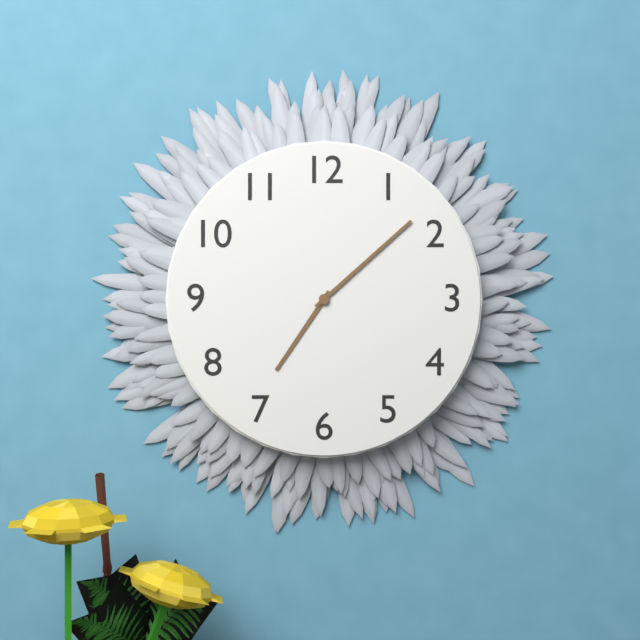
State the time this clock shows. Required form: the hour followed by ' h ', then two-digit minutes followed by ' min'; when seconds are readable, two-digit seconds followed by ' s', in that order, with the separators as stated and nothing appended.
7 h 08 min
